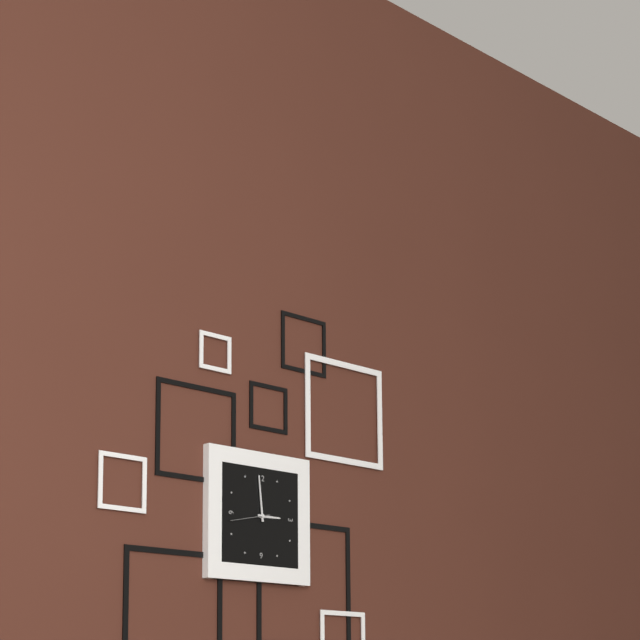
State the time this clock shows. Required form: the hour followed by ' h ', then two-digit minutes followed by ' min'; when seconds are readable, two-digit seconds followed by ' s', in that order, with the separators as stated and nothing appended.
2 h 59 min
